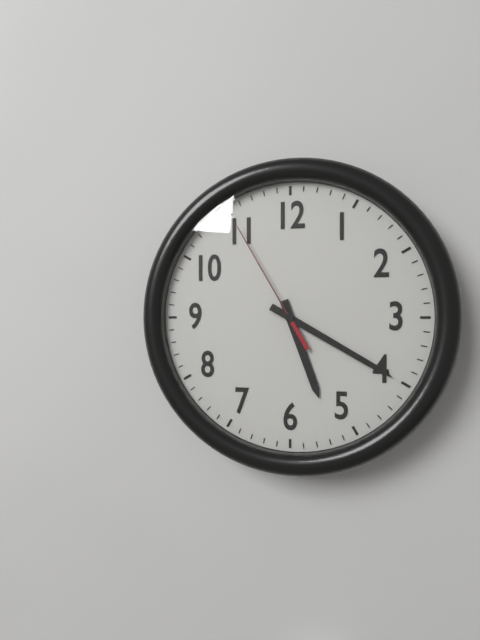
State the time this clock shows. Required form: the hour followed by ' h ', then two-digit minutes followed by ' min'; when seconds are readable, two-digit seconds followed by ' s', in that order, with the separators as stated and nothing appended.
5 h 20 min 55 s
